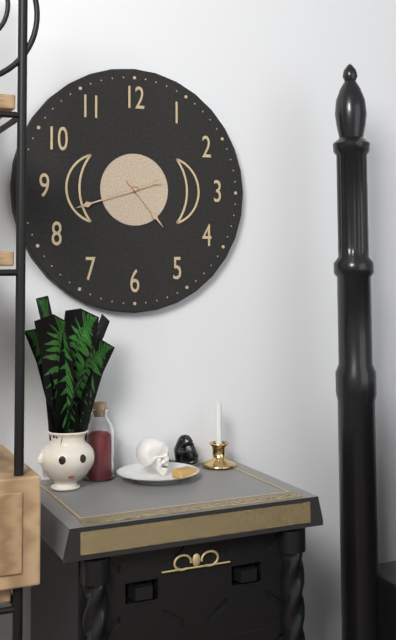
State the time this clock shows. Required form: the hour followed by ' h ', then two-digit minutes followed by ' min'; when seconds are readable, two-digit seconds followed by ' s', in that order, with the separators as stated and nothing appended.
4 h 42 min
